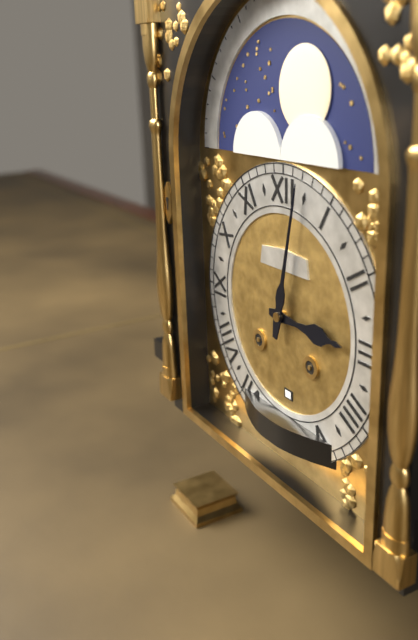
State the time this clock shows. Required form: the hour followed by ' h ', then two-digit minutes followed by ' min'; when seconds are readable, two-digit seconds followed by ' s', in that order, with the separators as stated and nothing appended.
3 h 02 min
